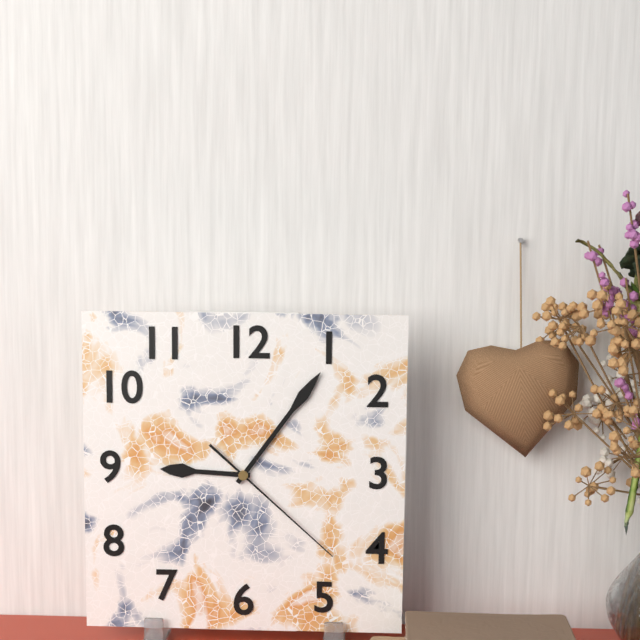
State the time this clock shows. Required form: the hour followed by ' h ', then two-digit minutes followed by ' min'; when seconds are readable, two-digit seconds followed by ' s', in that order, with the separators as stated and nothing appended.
9 h 06 min 22 s
